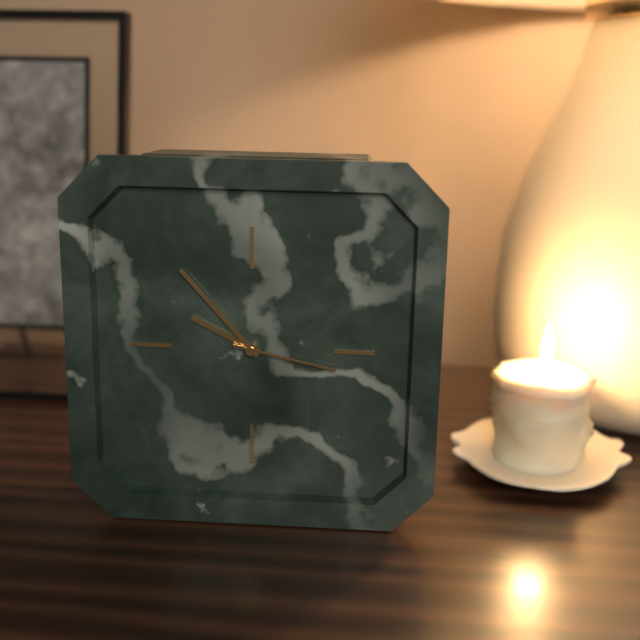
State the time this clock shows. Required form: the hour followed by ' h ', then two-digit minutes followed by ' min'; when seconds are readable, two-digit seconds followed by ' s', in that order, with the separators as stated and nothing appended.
9 h 53 min 17 s
